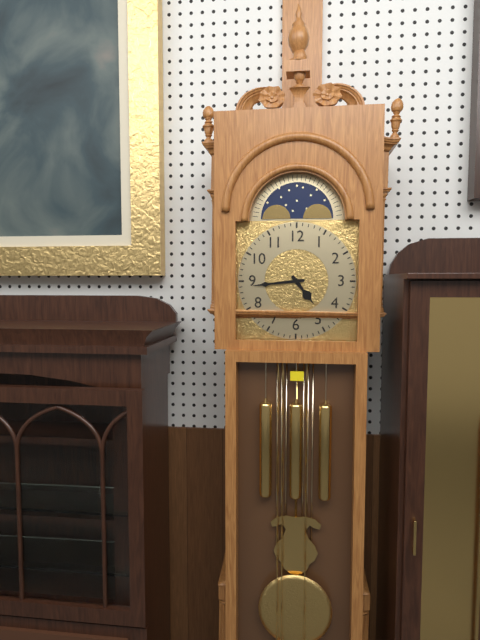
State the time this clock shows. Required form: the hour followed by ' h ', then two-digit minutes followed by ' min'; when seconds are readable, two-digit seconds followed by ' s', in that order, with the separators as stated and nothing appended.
4 h 44 min
